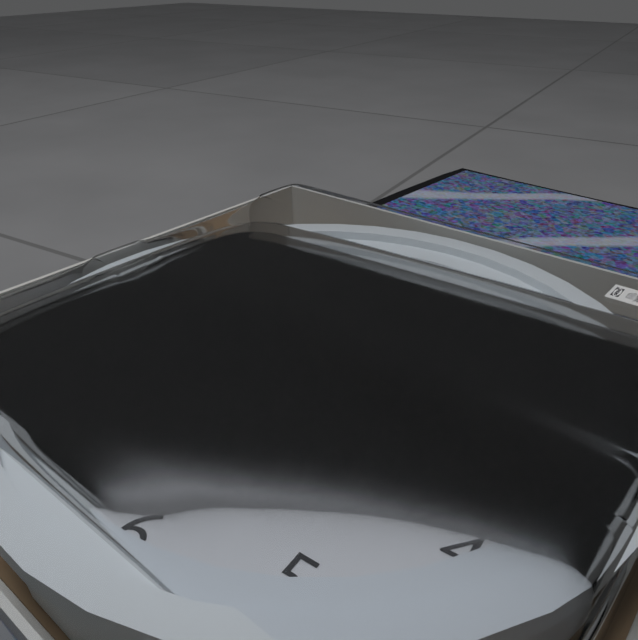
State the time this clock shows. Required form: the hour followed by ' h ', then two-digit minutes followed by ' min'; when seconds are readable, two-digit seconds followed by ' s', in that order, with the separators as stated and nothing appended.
2 h 52 min
